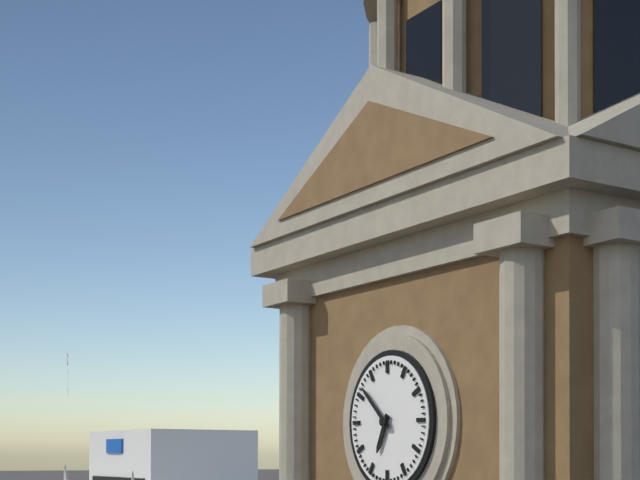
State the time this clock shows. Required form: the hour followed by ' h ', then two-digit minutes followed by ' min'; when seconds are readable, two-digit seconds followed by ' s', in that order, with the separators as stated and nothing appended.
6 h 52 min
